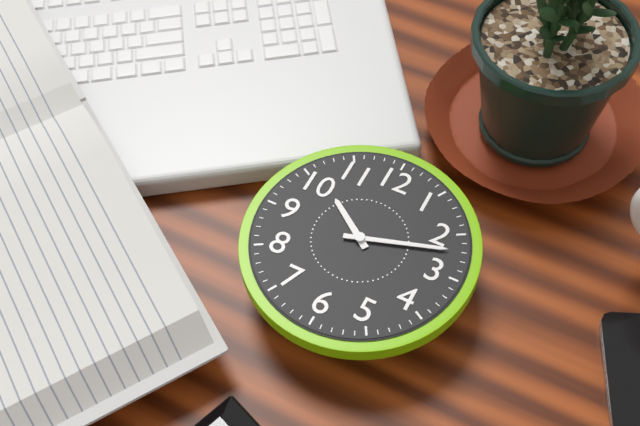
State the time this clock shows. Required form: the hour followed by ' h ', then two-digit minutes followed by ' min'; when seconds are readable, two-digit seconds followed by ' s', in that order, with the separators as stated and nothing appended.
10 h 12 min
